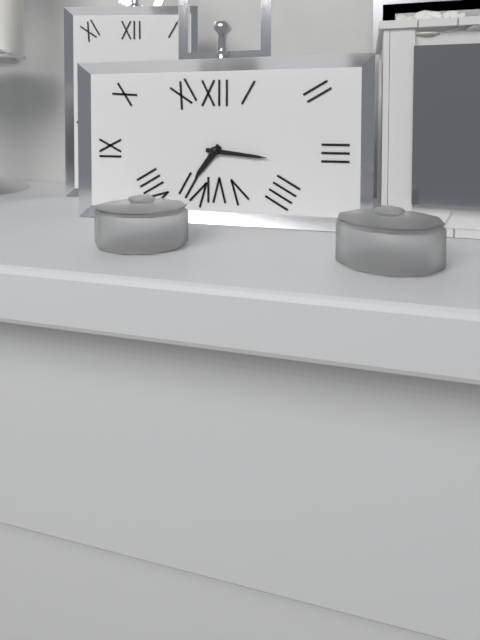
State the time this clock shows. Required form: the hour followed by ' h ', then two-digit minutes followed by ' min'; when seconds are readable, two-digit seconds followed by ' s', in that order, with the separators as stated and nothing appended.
7 h 16 min
